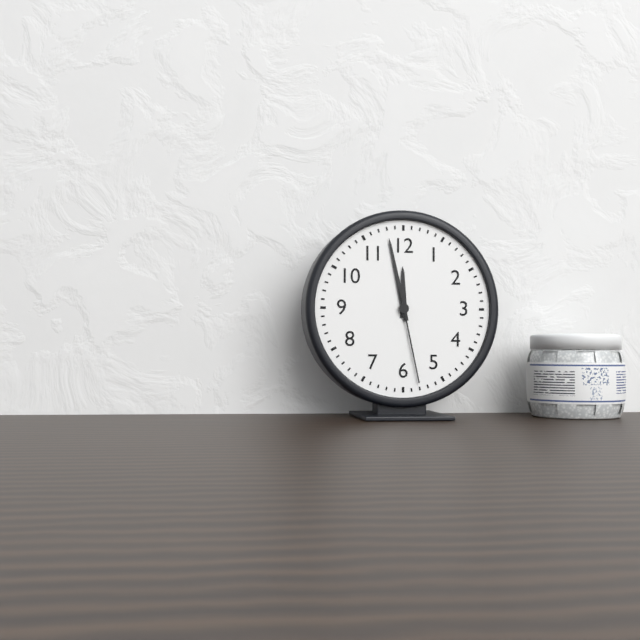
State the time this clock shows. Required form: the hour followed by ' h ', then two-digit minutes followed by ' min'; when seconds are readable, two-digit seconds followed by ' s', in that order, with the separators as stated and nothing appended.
11 h 58 min 28 s
